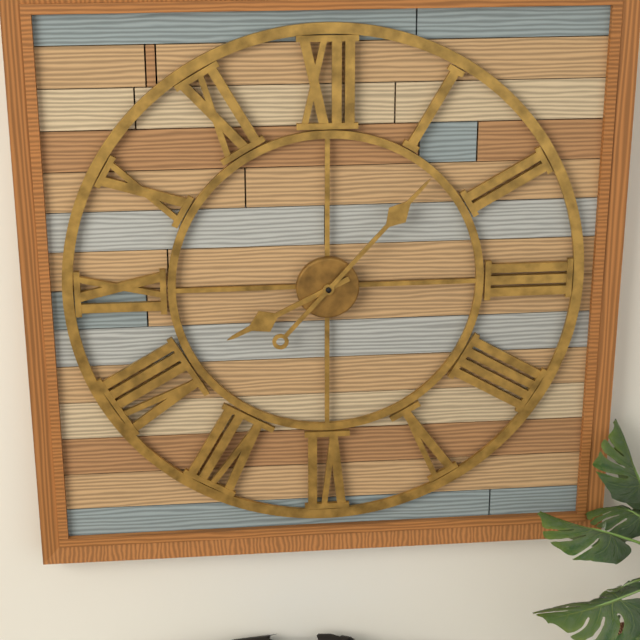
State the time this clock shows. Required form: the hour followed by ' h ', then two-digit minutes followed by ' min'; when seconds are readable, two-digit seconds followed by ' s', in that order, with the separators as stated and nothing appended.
8 h 07 min
